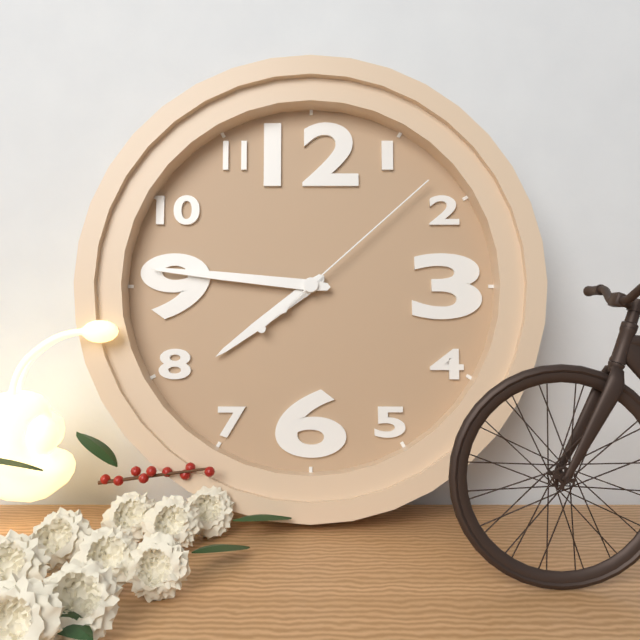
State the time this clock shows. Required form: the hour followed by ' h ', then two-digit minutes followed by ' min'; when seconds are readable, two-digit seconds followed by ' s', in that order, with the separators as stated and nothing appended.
7 h 46 min 08 s
